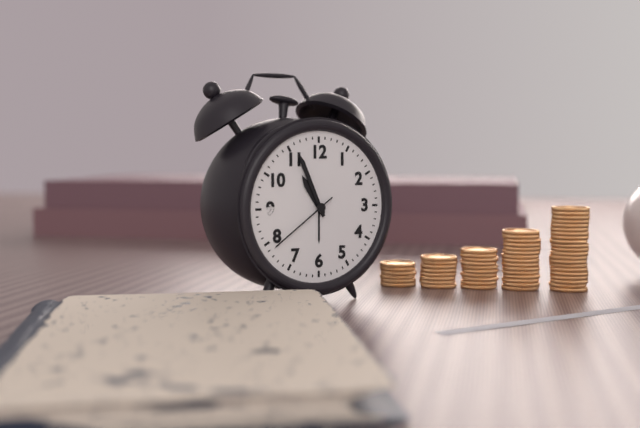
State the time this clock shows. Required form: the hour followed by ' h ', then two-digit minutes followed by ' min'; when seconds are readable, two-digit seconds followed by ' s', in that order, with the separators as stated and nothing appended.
10 h 56 min 39 s
